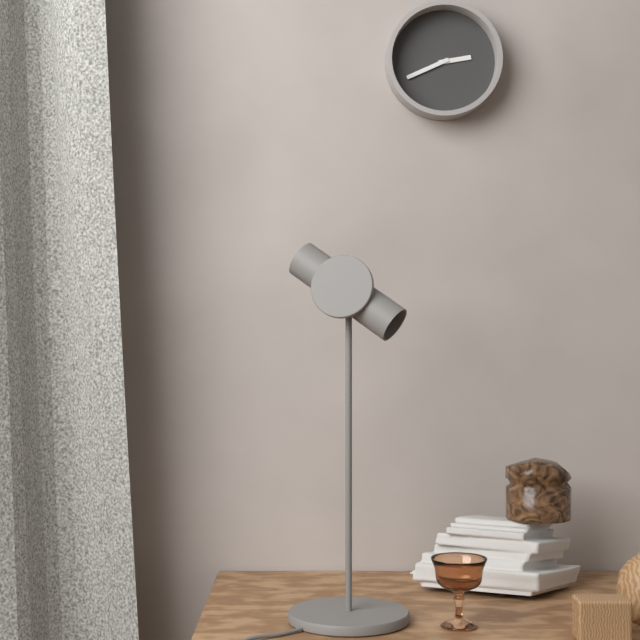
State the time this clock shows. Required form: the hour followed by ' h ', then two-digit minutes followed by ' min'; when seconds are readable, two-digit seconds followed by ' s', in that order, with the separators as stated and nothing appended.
2 h 41 min
